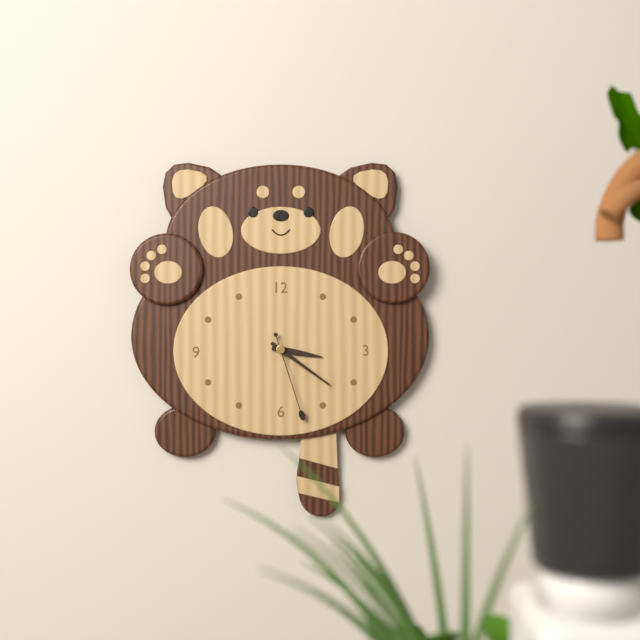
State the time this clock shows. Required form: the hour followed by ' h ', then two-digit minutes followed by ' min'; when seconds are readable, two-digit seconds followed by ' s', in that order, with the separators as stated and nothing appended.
3 h 21 min 27 s
